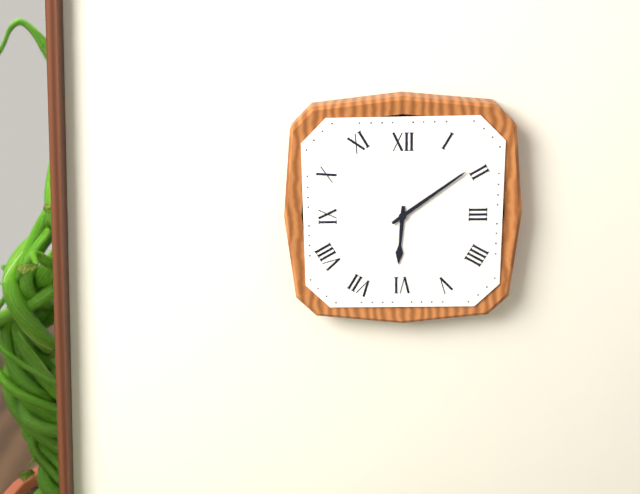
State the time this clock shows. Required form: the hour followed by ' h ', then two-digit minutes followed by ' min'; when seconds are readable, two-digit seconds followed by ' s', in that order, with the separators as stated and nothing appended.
6 h 09 min
